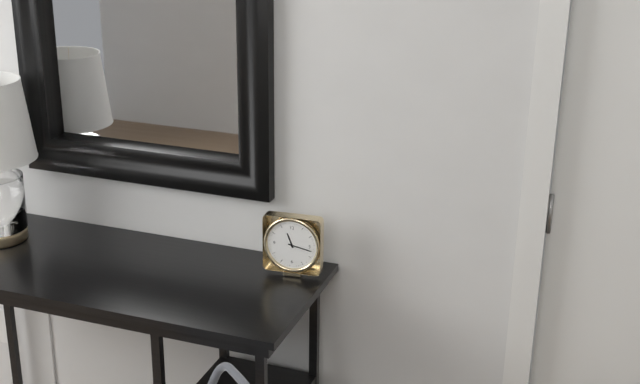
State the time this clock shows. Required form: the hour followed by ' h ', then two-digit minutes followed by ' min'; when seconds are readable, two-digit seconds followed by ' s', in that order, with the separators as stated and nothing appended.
11 h 17 min
